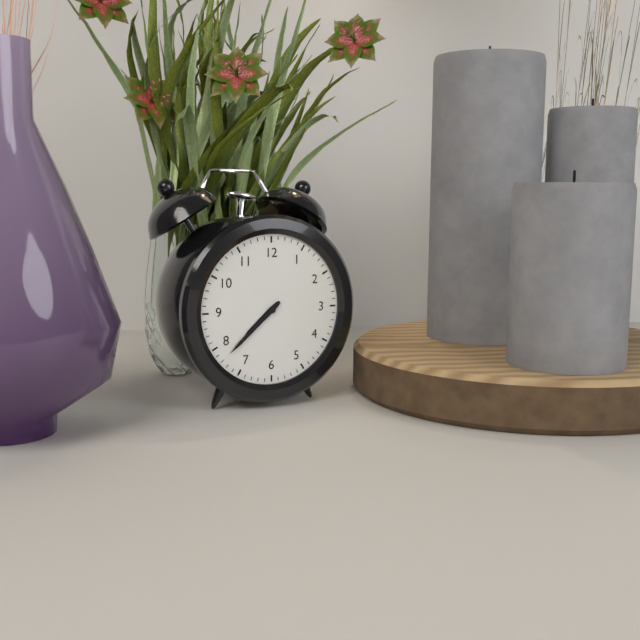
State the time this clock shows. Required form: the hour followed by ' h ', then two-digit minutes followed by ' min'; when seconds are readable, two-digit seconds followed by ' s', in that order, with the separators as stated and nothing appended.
7 h 38 min
